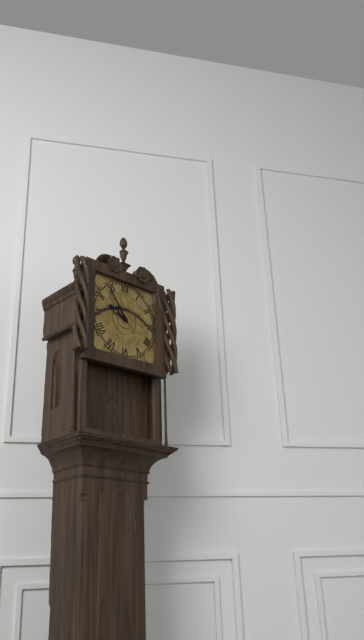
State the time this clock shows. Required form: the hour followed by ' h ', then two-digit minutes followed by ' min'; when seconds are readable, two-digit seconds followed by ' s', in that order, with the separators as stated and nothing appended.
9 h 54 min
